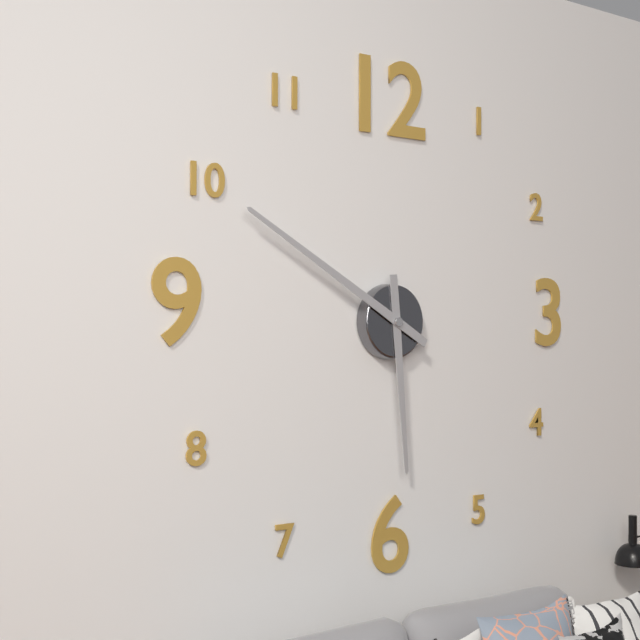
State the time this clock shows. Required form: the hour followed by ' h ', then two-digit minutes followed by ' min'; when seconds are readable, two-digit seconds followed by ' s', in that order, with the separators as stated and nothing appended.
5 h 50 min
